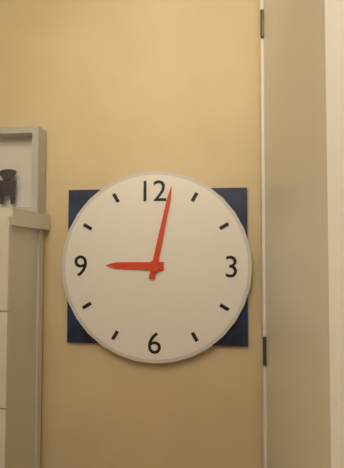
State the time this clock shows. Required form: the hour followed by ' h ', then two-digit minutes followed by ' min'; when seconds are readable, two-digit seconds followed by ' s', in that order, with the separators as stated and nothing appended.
9 h 02 min
